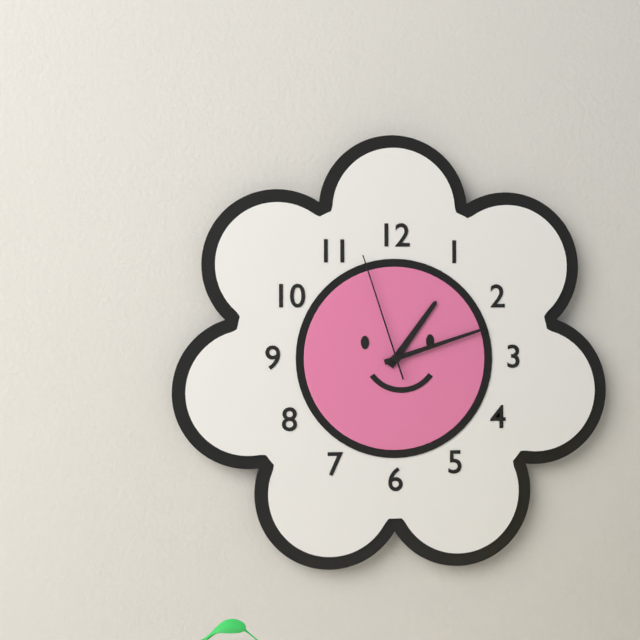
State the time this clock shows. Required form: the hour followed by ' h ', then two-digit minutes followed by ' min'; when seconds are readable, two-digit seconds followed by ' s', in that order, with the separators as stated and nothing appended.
1 h 12 min 57 s
